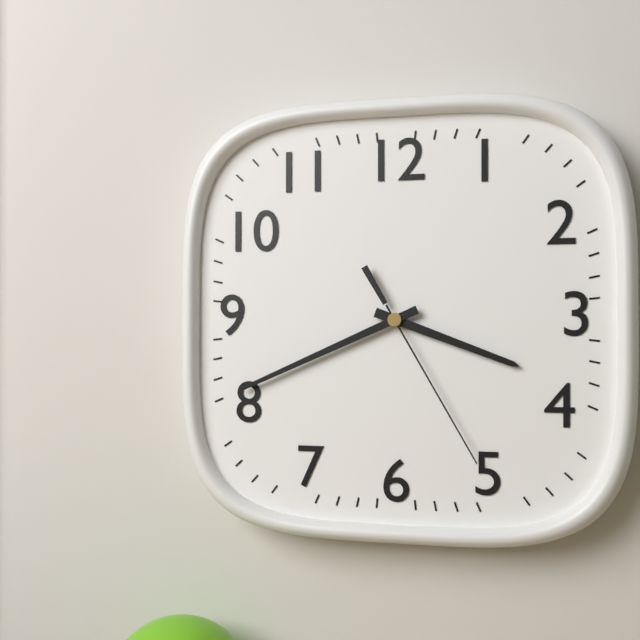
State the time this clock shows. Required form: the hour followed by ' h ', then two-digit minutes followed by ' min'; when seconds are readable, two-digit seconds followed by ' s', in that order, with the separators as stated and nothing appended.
3 h 41 min 25 s
